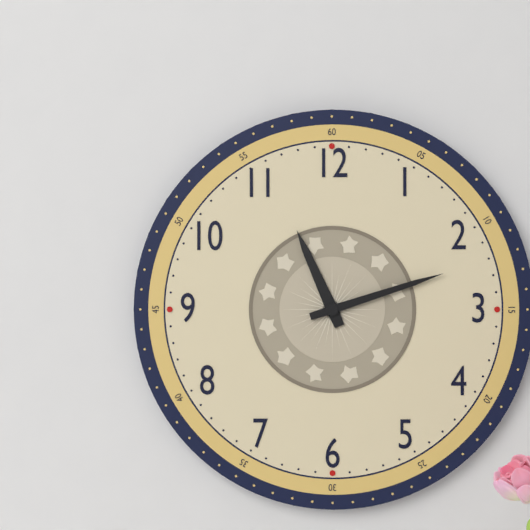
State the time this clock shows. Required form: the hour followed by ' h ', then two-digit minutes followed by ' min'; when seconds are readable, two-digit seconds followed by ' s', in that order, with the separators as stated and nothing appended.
11 h 12 min
